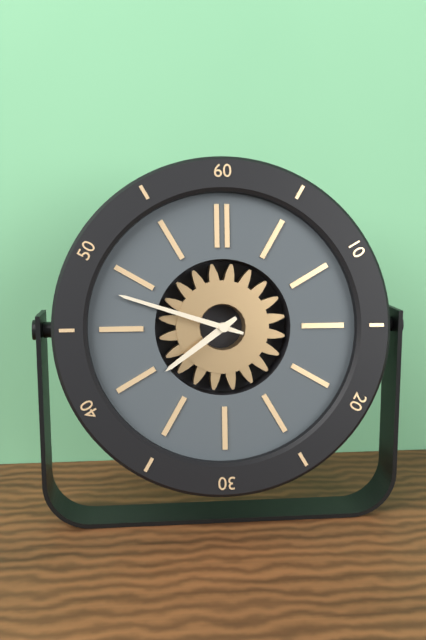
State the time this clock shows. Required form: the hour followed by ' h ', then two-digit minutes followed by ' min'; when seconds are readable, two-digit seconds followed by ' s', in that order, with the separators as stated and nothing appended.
7 h 48 min
